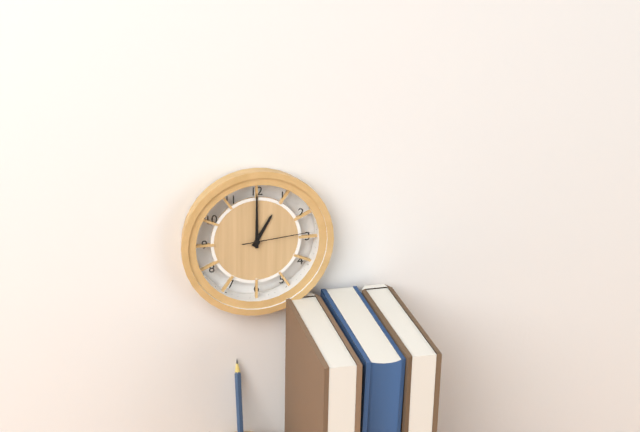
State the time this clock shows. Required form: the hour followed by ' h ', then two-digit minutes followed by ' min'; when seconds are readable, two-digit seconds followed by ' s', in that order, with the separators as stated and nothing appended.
1 h 00 min 14 s
